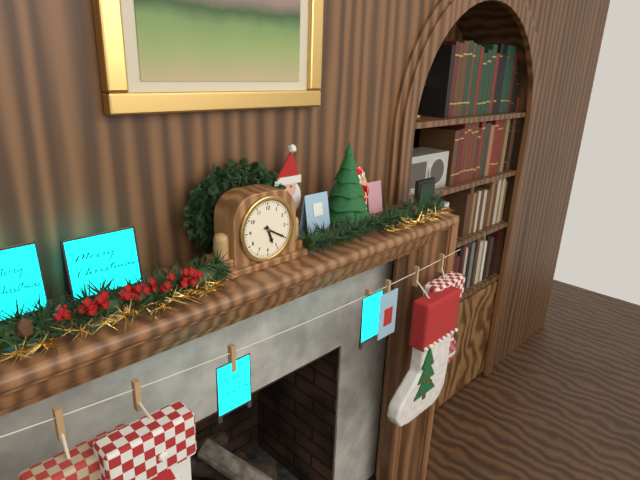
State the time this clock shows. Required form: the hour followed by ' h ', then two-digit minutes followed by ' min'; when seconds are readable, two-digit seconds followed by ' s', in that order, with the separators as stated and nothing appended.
5 h 20 min
